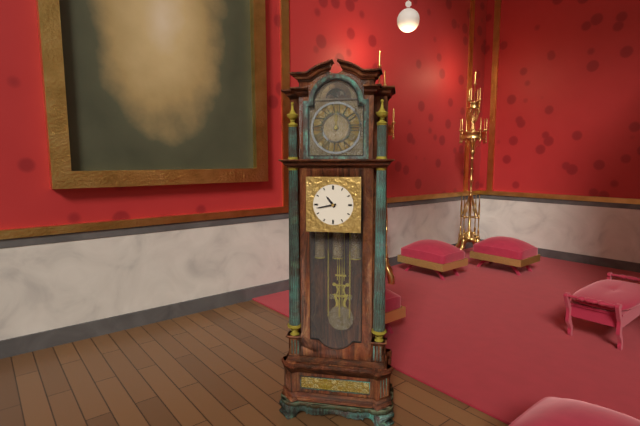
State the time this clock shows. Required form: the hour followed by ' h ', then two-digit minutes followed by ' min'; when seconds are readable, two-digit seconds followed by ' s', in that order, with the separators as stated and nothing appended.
10 h 43 min
